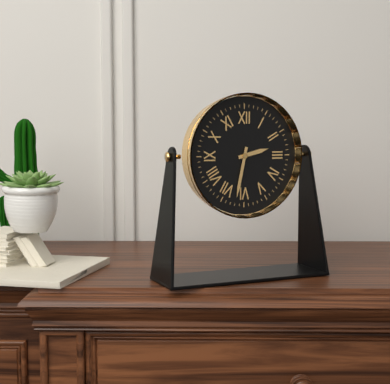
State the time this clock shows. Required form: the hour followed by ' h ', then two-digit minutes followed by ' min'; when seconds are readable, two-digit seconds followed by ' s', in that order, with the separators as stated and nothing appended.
2 h 32 min
